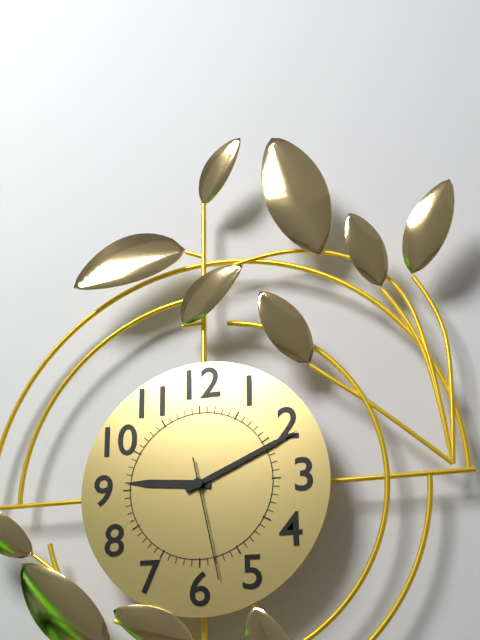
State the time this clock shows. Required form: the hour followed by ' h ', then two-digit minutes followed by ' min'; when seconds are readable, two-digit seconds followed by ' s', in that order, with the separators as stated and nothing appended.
9 h 11 min 28 s
